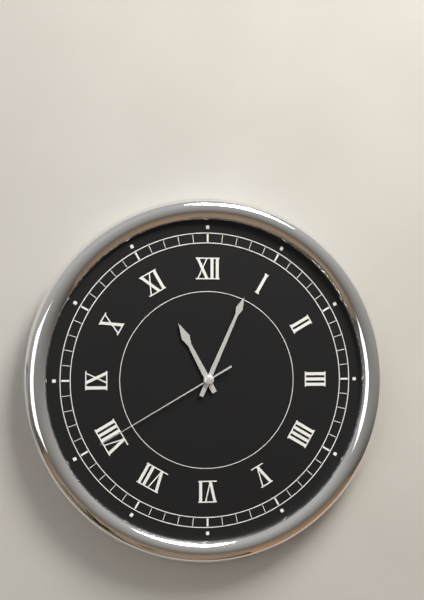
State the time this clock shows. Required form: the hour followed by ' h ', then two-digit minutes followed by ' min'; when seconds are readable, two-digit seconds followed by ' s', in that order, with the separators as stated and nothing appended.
11 h 04 min 40 s
